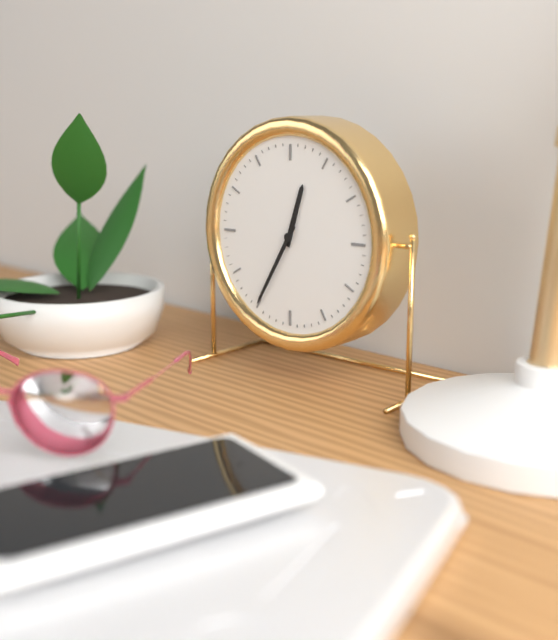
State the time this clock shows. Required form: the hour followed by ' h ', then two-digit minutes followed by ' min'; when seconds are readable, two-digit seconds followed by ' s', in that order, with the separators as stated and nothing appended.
12 h 35 min
